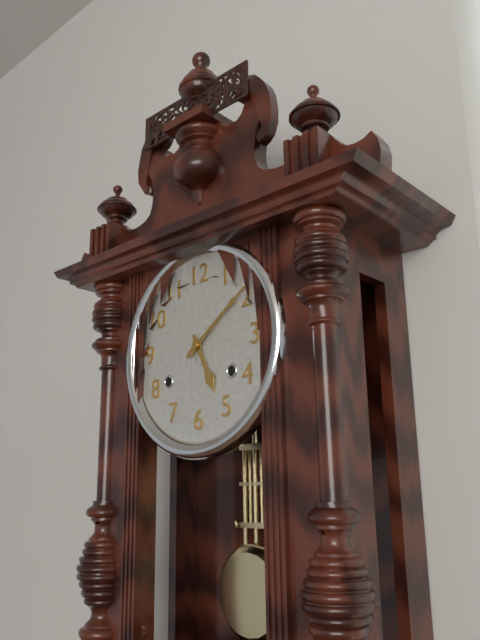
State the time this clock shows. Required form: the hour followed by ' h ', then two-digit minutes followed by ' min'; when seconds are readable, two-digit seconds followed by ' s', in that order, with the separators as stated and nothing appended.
5 h 09 min
